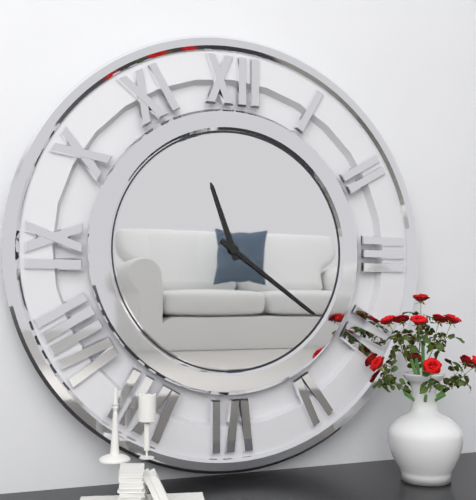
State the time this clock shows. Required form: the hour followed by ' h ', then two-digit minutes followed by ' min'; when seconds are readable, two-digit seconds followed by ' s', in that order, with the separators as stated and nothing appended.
11 h 21 min
